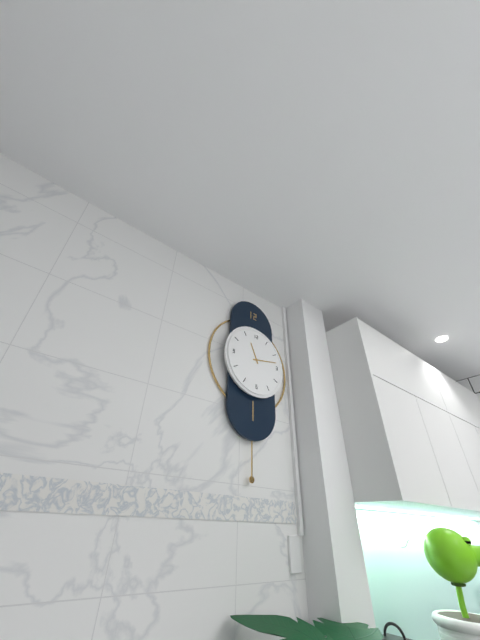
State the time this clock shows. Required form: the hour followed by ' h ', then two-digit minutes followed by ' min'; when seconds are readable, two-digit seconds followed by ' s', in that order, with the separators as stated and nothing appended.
11 h 13 min
